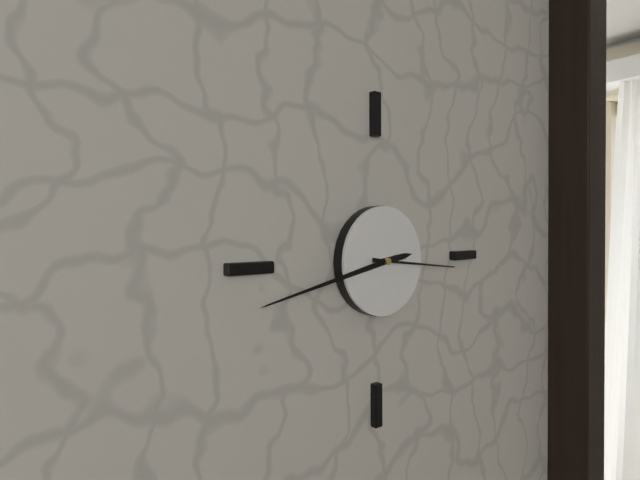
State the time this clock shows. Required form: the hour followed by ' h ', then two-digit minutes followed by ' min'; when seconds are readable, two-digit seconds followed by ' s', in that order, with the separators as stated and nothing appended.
2 h 43 min 16 s
